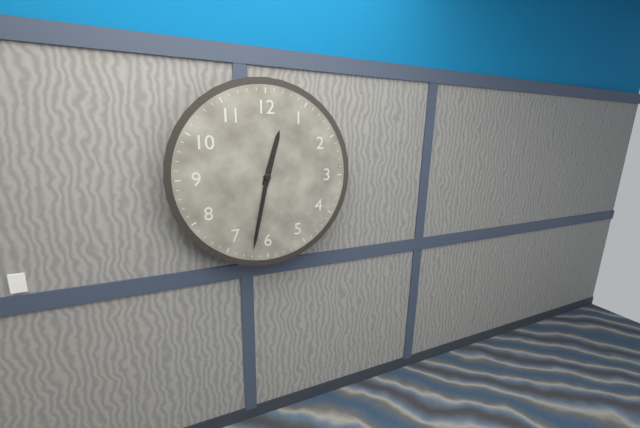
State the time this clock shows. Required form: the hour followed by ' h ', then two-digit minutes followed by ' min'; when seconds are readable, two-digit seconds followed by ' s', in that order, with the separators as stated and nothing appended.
12 h 32 min
